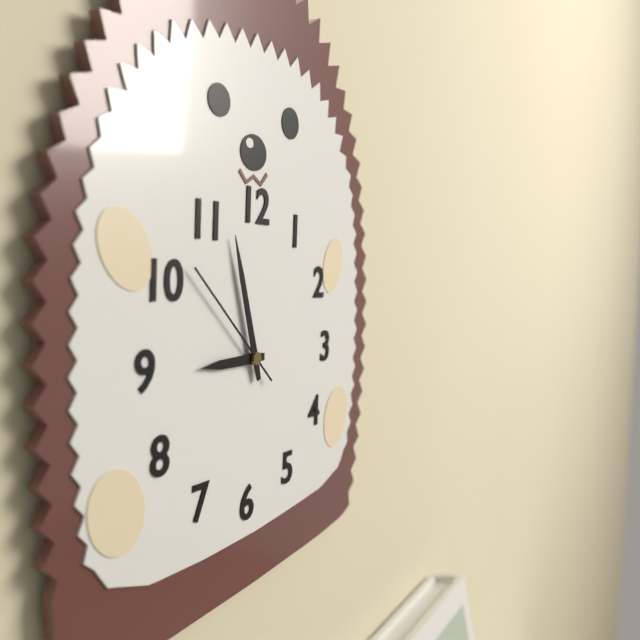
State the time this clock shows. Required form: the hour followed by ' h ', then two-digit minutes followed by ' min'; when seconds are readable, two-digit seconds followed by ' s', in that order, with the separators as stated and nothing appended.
8 h 57 min 52 s
